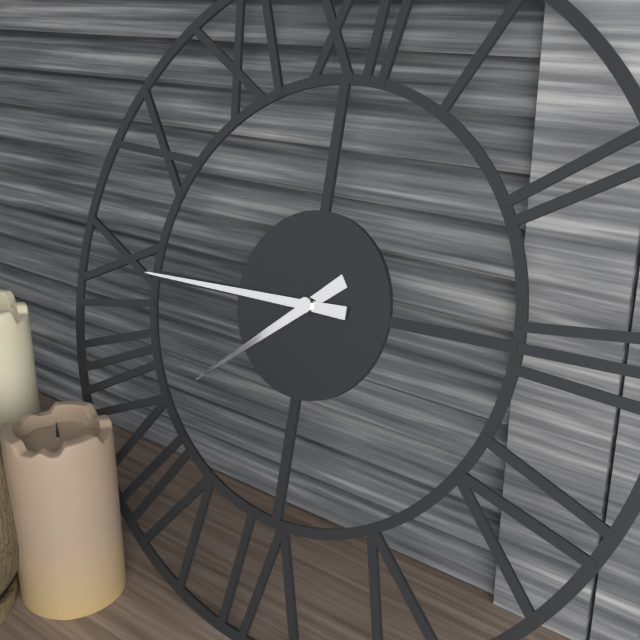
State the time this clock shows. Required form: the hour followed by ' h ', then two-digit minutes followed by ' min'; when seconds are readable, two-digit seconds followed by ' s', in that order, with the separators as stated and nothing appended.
7 h 45 min
